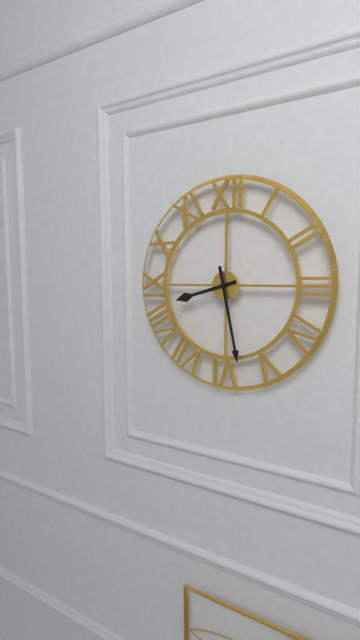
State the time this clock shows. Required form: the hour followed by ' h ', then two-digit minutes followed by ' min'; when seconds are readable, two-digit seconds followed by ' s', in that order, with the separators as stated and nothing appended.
8 h 28 min
